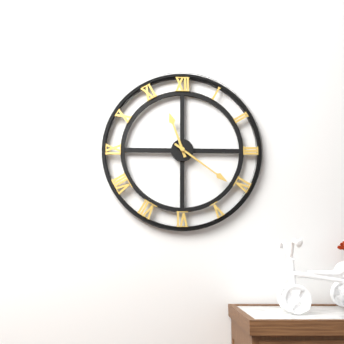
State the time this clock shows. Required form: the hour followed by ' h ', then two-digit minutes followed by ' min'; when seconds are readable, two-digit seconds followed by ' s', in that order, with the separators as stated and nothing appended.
11 h 21 min
